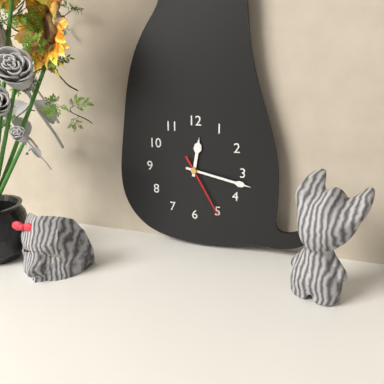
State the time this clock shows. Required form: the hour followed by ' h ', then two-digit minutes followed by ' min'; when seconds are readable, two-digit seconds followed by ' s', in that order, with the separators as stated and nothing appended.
12 h 17 min 25 s
